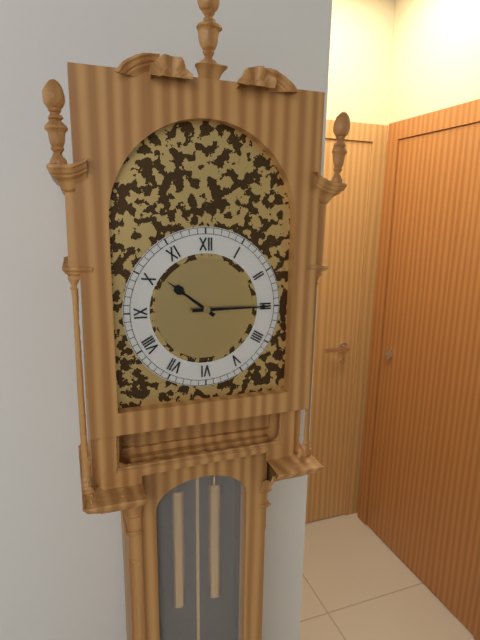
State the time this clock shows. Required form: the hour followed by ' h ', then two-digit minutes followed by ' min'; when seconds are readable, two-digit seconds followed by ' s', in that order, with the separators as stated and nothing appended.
10 h 15 min
